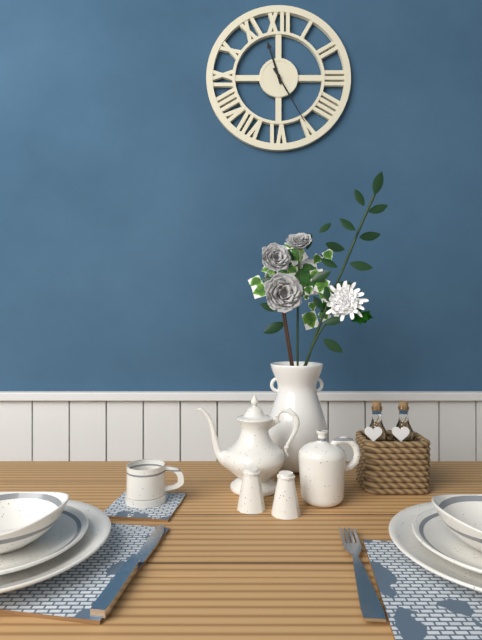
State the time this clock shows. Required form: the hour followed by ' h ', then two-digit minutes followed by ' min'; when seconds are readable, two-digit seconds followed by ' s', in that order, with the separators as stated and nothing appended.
11 h 25 min
